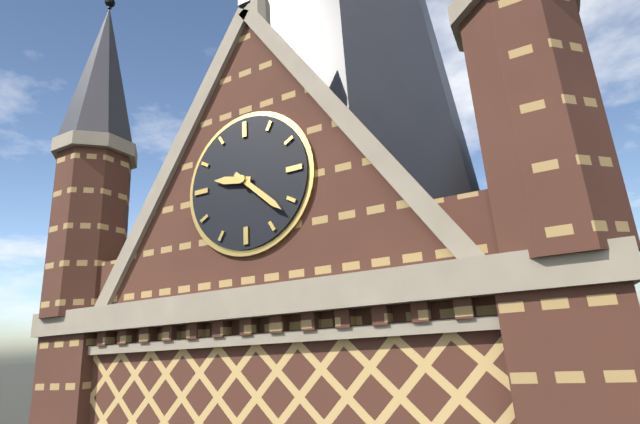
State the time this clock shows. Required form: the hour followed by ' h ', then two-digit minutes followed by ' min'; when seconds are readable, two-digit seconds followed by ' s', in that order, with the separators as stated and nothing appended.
9 h 22 min
